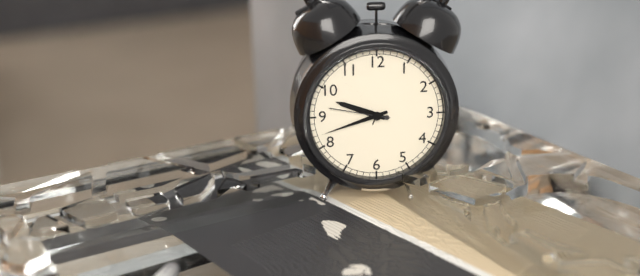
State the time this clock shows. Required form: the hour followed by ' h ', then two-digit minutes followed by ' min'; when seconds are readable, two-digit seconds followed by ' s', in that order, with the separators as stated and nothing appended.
9 h 42 min 47 s
